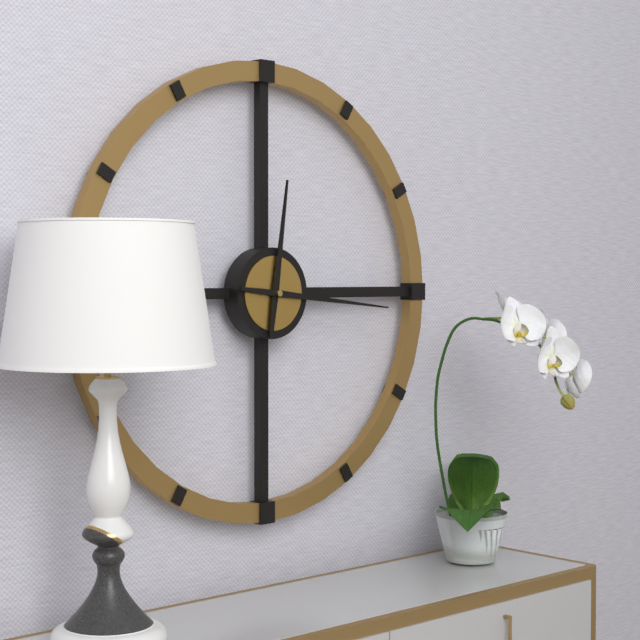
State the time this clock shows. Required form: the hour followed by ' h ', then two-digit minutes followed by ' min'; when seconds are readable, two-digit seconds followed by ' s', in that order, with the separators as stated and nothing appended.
12 h 16 min
